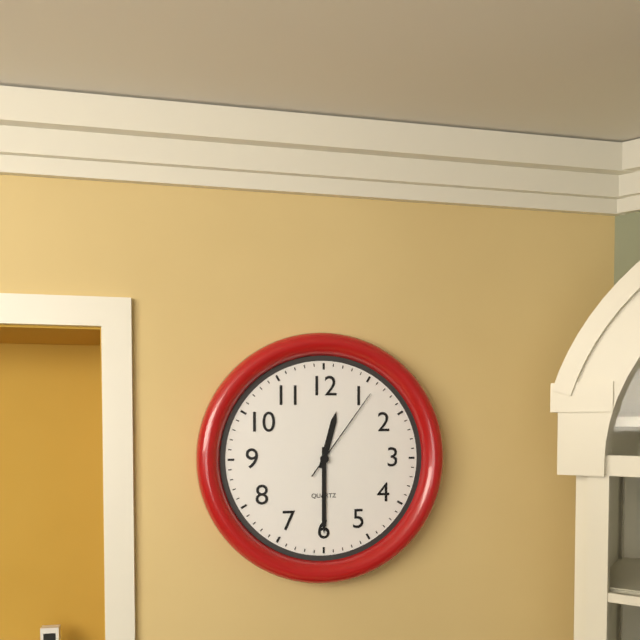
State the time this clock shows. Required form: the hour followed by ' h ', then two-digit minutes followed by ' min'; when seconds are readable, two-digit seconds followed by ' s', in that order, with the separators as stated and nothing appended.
12 h 30 min 06 s
